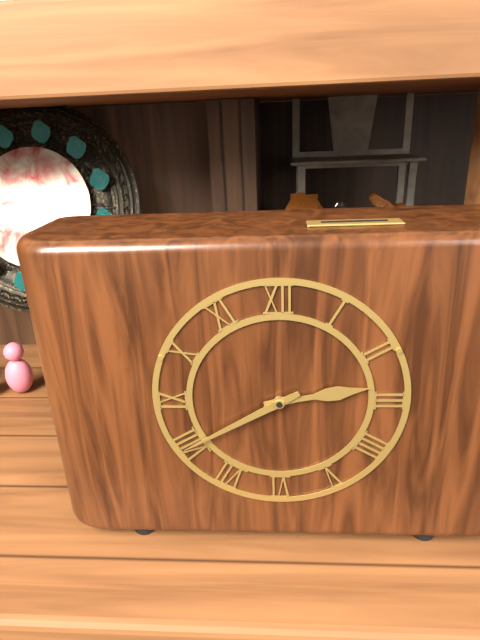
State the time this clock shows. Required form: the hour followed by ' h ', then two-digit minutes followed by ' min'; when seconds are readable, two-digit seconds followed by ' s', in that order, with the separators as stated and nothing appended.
2 h 40 min
